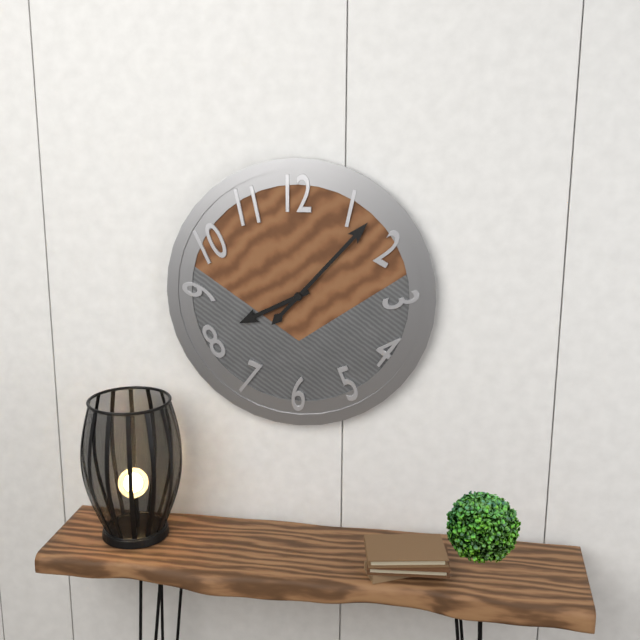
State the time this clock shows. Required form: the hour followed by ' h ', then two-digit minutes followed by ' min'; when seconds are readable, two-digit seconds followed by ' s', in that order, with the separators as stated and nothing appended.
8 h 07 min
